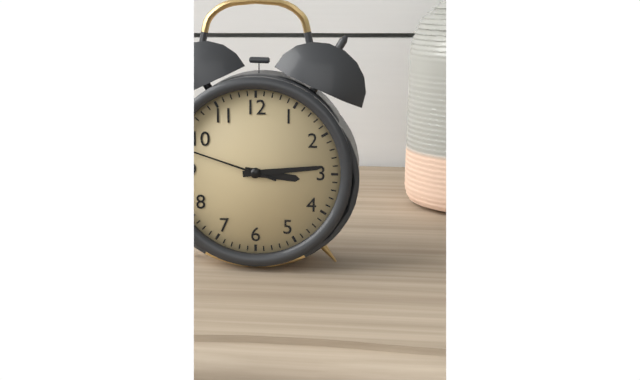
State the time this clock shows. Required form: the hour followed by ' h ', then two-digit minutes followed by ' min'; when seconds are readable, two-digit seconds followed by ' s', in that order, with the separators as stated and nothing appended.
3 h 14 min 48 s
